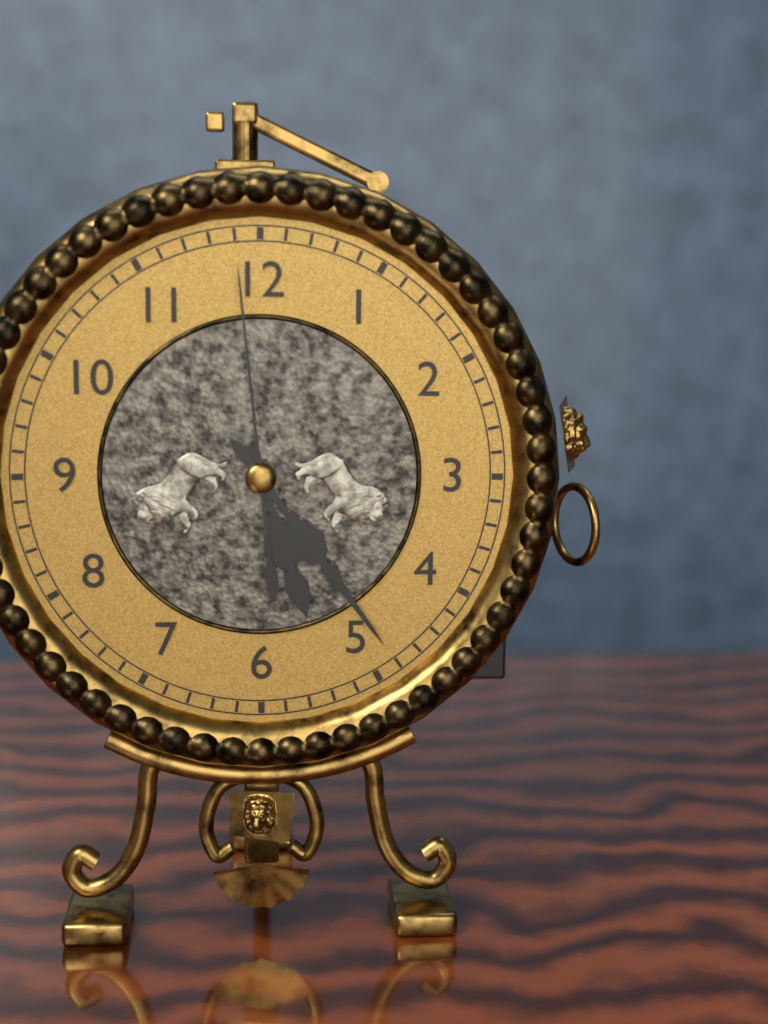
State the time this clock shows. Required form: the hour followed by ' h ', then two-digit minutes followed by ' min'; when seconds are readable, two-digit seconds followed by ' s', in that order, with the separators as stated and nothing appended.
5 h 24 min 59 s
